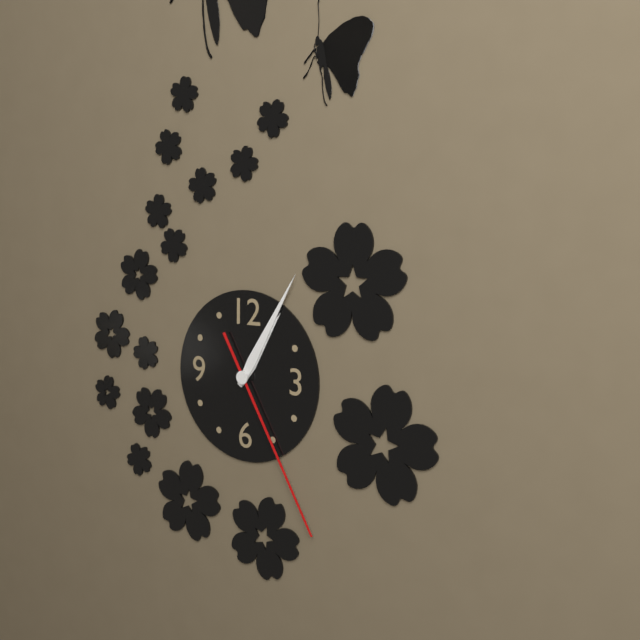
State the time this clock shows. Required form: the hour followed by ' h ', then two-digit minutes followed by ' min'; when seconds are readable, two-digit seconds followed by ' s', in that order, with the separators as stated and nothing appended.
1 h 05 min 25 s
